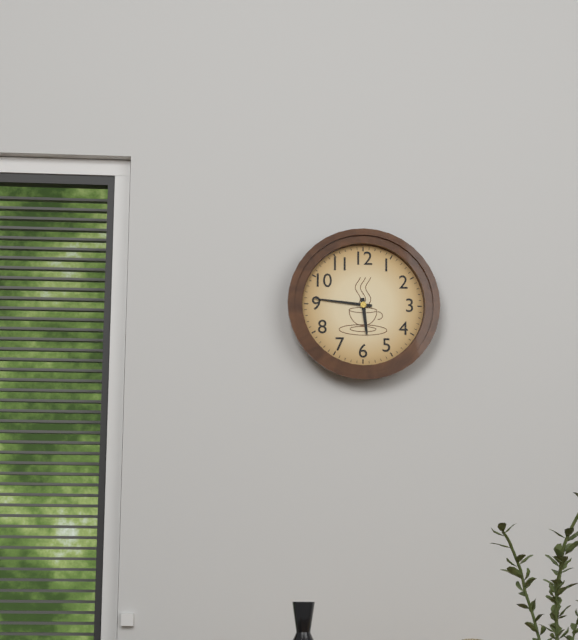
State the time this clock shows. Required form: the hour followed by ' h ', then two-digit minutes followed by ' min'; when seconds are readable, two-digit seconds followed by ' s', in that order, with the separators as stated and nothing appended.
5 h 46 min
